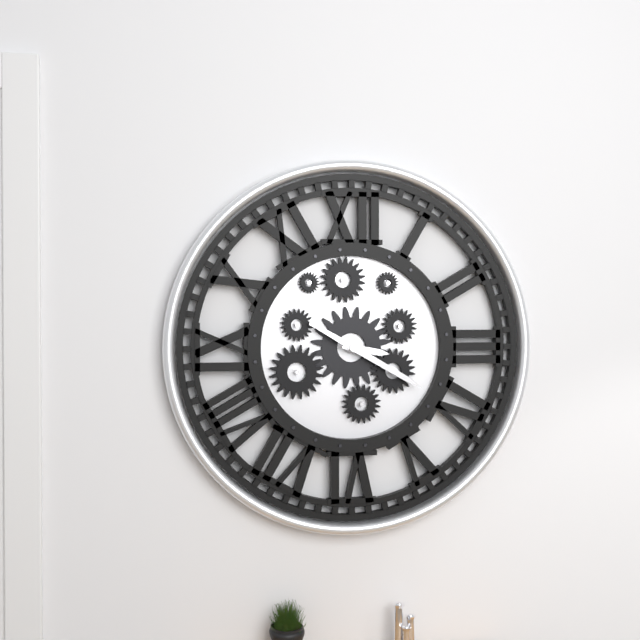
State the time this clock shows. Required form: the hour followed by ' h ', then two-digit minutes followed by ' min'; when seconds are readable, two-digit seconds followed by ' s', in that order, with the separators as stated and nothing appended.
3 h 20 min
